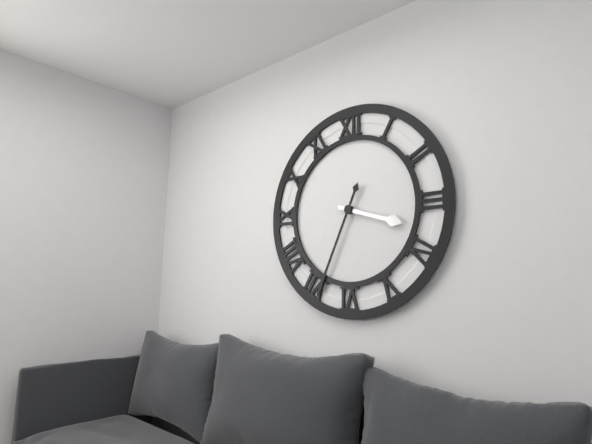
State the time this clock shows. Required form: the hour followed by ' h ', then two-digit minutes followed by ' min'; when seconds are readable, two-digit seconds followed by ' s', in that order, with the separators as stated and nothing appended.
3 h 34 min
